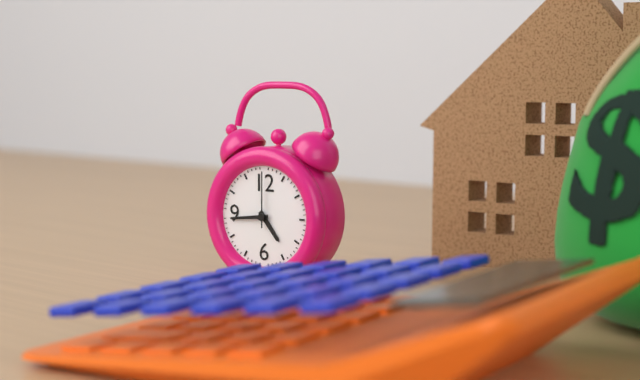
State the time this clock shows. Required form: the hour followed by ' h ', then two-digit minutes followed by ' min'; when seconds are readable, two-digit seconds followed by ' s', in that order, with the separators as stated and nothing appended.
4 h 44 min 00 s
